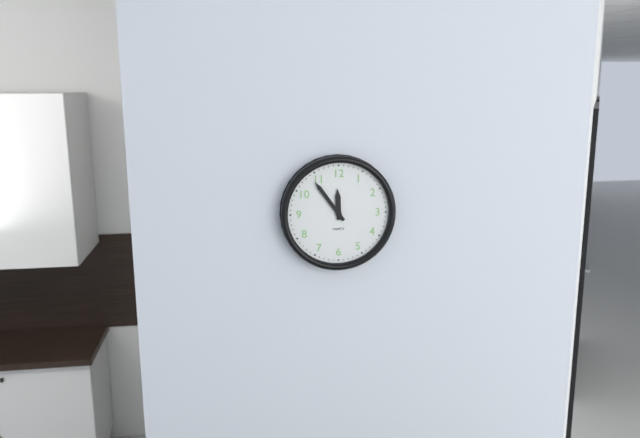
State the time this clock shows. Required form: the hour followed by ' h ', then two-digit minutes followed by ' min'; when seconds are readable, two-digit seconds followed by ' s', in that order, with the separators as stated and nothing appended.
11 h 54 min
